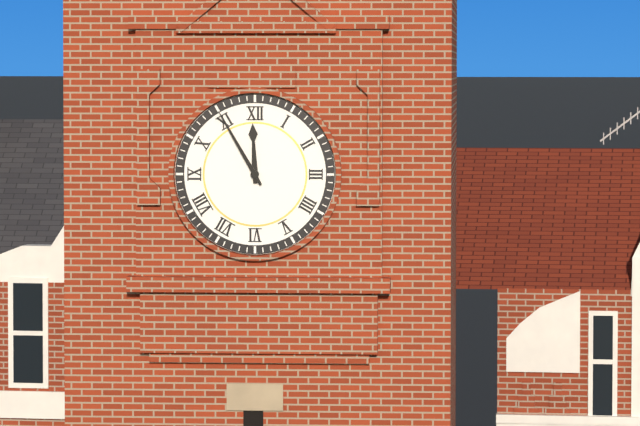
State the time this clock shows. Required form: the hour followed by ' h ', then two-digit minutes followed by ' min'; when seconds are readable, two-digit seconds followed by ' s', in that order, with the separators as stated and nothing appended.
11 h 55 min
